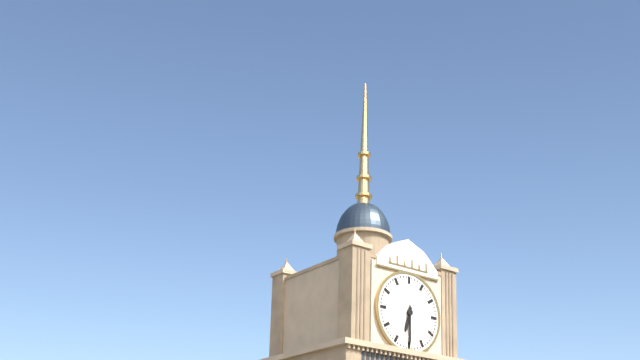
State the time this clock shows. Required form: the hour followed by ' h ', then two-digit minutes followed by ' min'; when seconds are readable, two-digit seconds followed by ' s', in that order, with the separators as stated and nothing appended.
6 h 30 min
